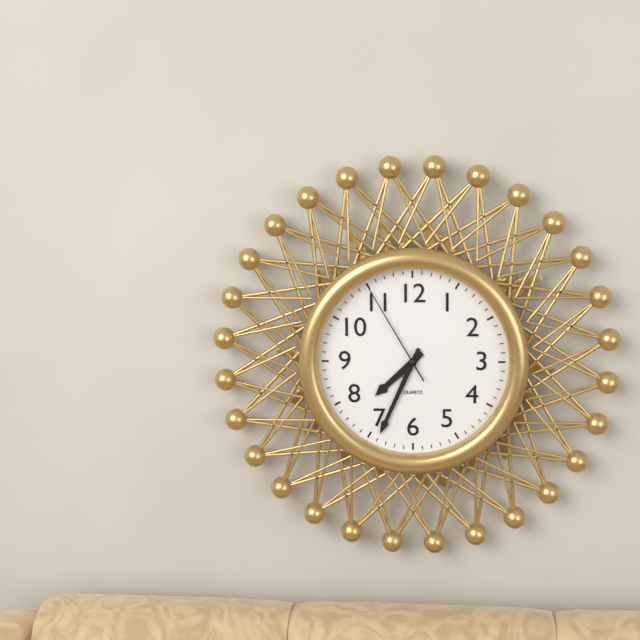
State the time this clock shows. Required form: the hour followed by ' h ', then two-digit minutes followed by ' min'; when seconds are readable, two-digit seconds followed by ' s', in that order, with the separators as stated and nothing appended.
7 h 34 min 55 s
